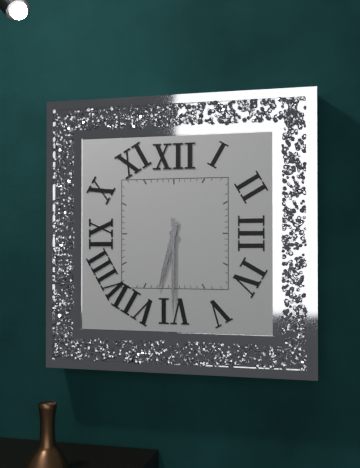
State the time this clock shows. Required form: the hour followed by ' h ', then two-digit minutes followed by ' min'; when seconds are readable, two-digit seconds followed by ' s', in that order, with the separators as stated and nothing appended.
6 h 30 min
